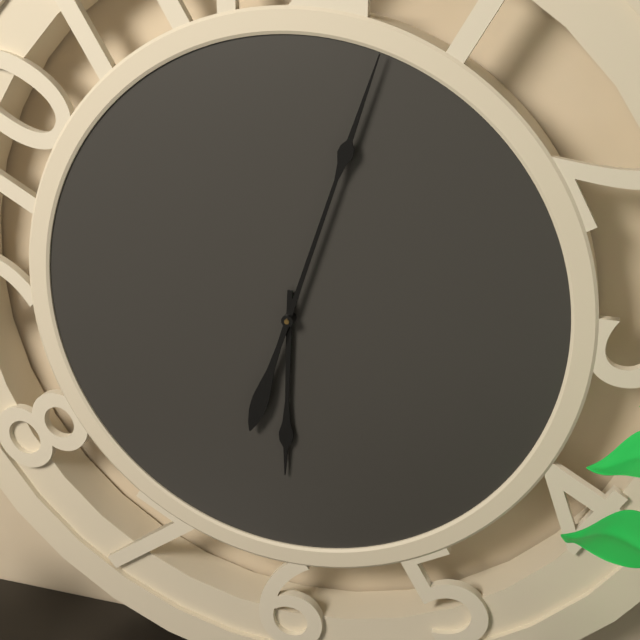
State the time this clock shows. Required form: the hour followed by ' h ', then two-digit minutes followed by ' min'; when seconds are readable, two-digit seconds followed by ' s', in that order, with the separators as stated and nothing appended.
6 h 03 min
